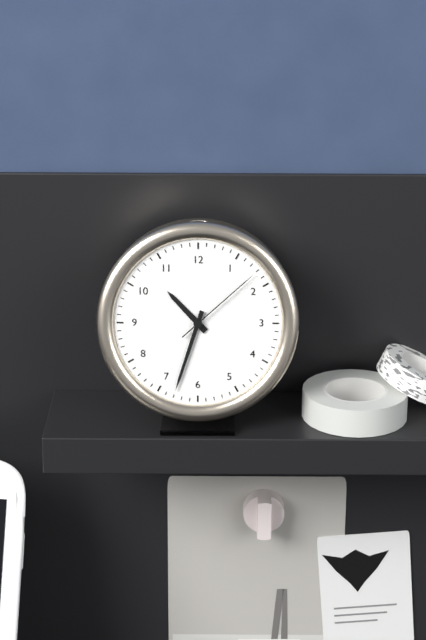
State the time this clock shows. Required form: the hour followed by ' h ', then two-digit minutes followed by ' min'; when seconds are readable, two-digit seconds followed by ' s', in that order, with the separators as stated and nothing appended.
10 h 33 min 08 s
